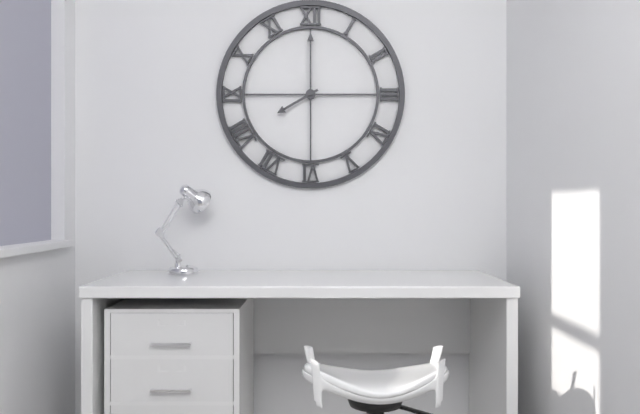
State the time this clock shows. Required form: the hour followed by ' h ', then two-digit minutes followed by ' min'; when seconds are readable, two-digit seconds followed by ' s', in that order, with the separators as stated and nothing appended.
8 h 00 min
